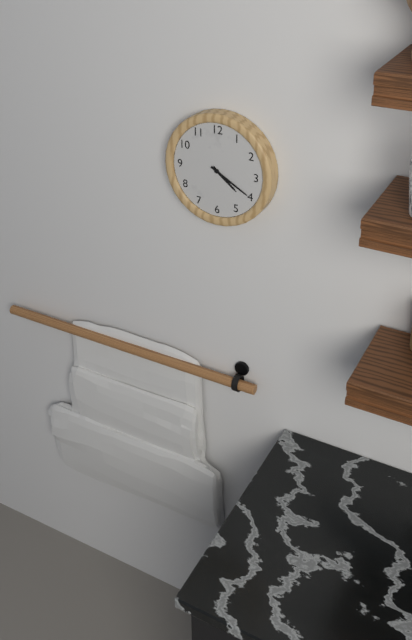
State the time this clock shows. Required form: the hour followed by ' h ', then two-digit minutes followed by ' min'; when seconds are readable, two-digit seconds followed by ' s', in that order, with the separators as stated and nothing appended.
4 h 20 min
